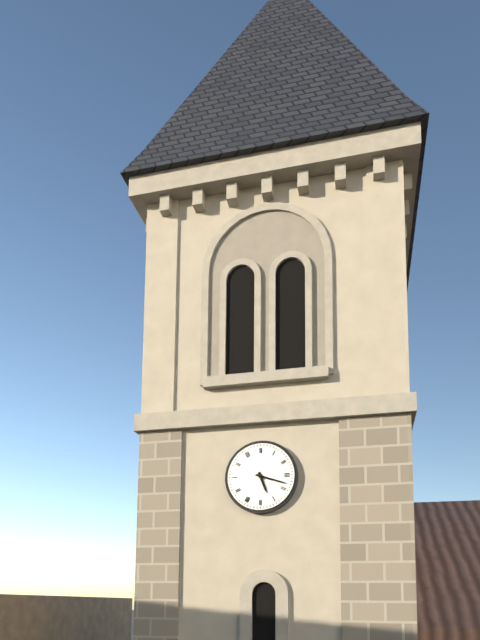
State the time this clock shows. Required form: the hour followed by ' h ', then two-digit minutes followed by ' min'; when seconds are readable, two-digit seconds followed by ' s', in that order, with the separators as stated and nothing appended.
5 h 18 min
